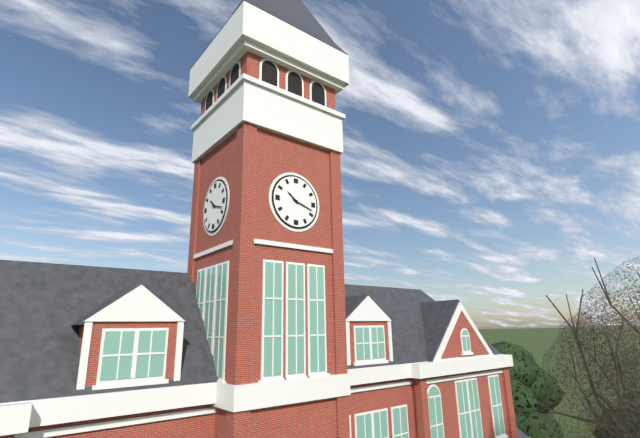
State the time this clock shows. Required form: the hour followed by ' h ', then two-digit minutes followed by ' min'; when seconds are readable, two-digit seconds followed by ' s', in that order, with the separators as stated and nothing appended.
10 h 18 min
